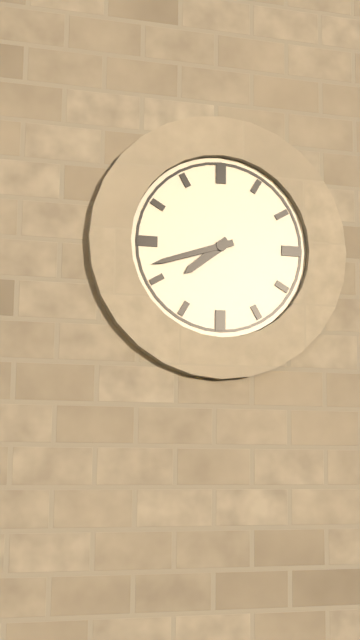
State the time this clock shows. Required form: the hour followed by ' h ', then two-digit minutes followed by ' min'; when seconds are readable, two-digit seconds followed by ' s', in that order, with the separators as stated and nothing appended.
7 h 42 min
